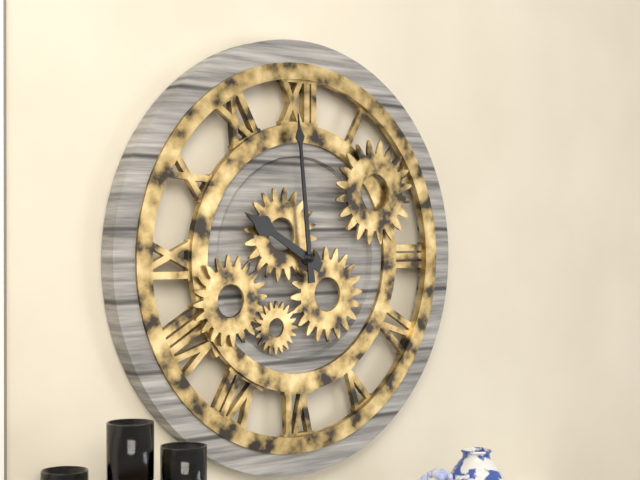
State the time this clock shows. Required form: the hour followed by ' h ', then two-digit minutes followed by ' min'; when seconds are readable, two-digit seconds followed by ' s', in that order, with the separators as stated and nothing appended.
9 h 59 min
